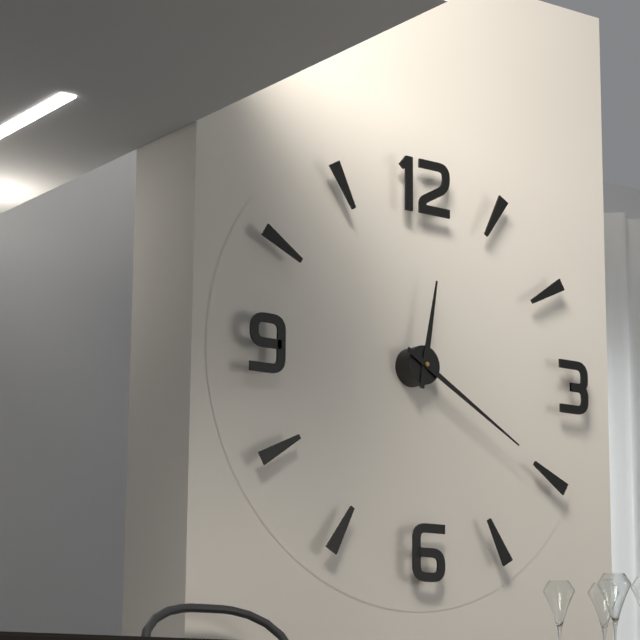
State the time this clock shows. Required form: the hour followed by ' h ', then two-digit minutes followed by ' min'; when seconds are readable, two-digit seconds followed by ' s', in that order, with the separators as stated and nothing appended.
12 h 20 min
